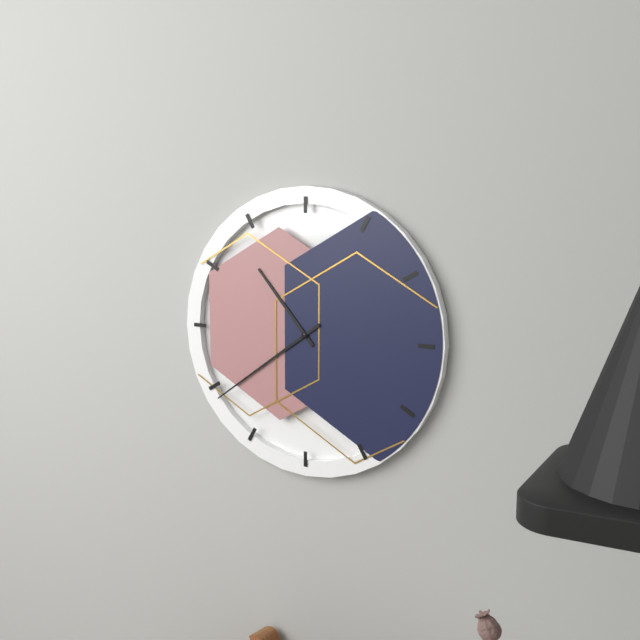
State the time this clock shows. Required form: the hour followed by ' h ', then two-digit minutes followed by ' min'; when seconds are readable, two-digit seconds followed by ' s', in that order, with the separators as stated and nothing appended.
10 h 39 min
